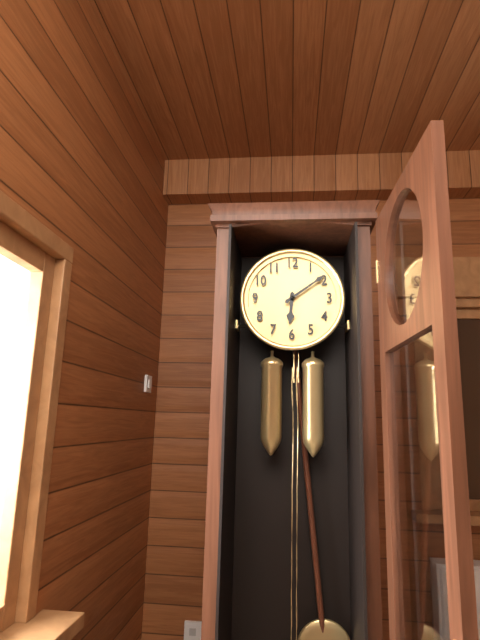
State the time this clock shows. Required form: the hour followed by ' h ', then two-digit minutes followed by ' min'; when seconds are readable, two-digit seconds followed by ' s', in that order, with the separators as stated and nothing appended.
6 h 09 min
